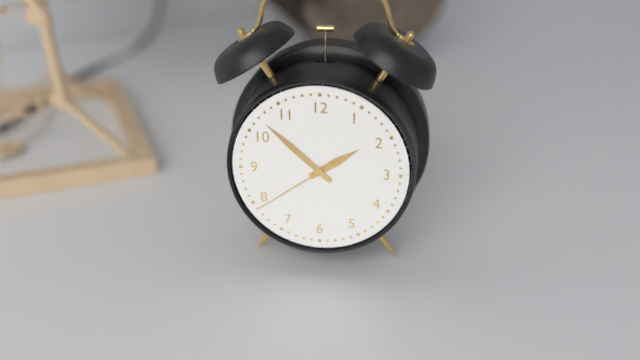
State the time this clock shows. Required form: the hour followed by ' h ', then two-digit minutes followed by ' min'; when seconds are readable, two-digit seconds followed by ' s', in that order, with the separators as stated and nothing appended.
1 h 52 min 39 s
